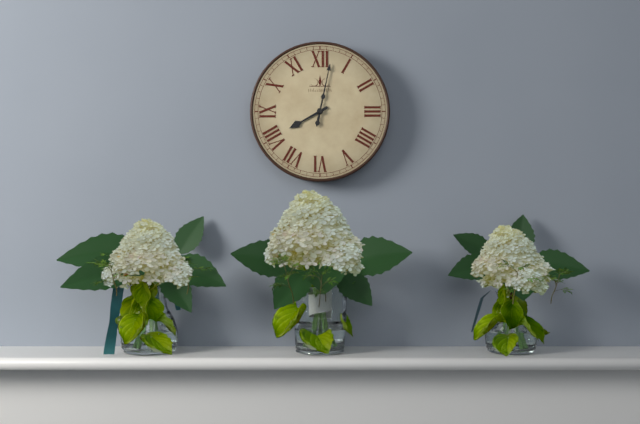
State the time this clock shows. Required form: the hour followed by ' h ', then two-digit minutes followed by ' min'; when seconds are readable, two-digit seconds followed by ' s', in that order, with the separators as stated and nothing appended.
8 h 02 min
